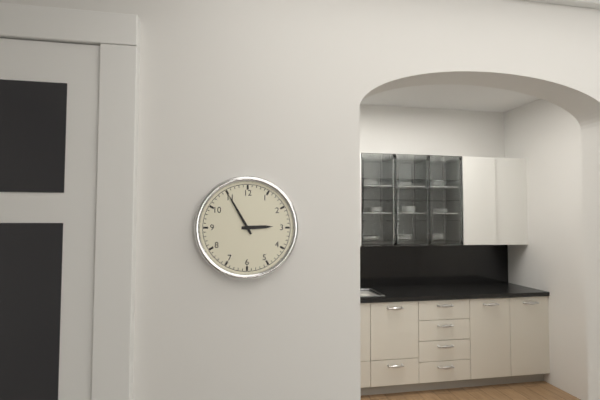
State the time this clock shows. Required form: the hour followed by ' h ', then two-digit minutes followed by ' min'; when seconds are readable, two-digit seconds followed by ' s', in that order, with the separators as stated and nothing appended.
2 h 55 min
